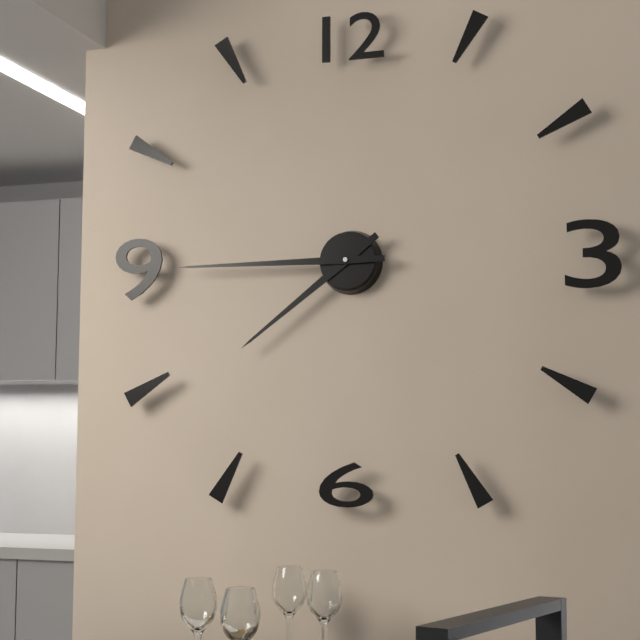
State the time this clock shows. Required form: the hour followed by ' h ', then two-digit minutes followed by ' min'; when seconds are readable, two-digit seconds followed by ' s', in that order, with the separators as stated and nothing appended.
7 h 45 min
